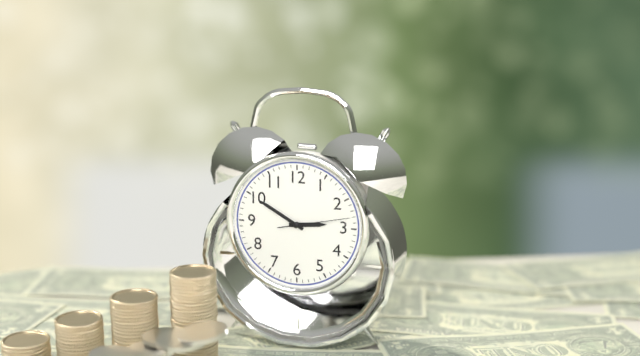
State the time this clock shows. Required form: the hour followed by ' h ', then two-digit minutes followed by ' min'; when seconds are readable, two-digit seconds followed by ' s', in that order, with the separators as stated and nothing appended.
2 h 50 min 13 s
